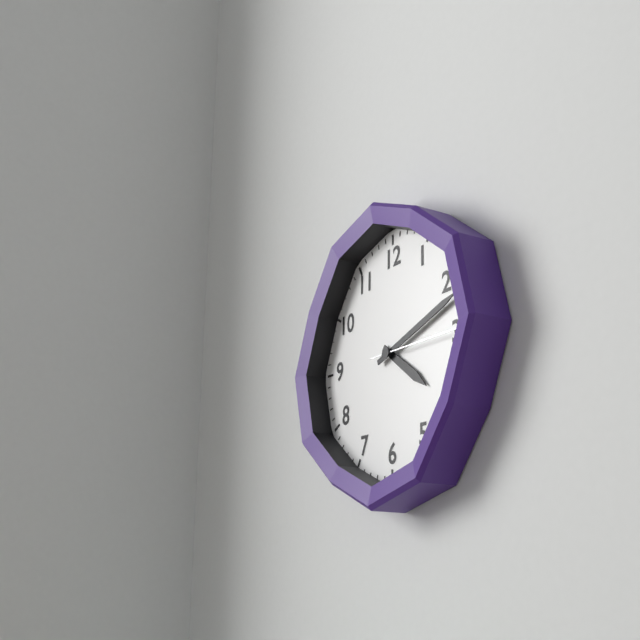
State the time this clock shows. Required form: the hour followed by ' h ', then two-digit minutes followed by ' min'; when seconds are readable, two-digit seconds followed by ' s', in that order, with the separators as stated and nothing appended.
4 h 12 min 15 s
